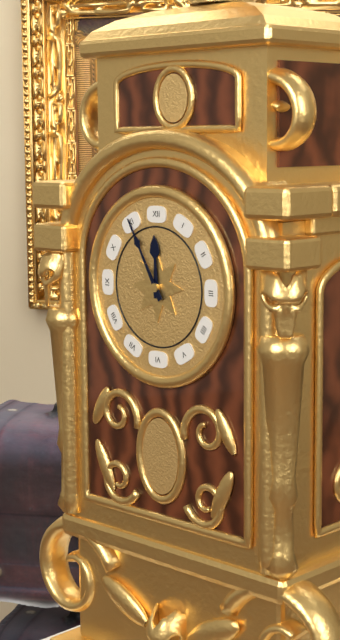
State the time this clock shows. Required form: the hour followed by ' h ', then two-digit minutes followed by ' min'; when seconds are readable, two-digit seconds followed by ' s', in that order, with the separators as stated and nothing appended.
11 h 55 min
